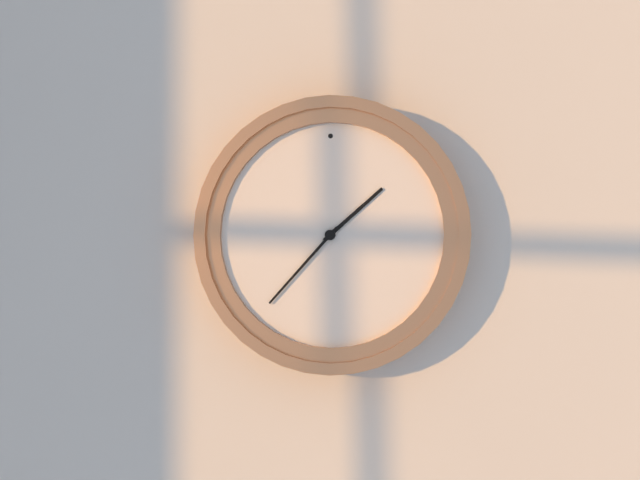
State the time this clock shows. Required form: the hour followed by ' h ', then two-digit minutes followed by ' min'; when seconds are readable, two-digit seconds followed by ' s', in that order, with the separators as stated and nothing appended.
1 h 37 min
